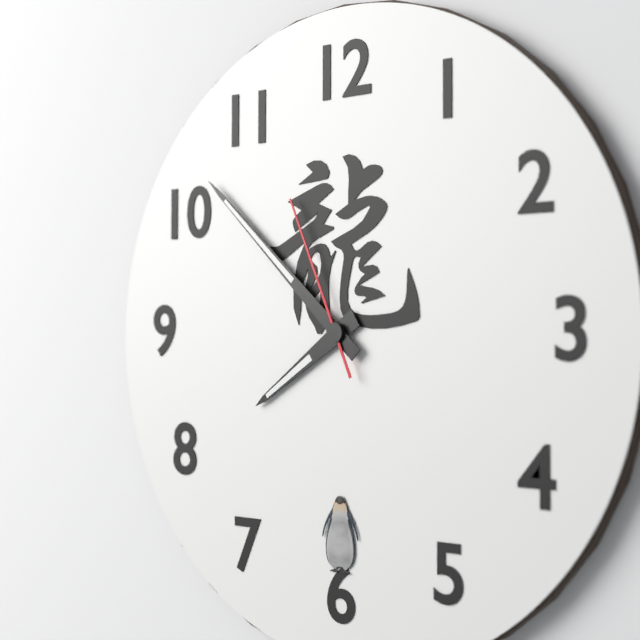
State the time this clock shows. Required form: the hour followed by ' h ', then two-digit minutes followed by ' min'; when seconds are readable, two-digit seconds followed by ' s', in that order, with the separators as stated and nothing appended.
7 h 52 min 56 s
